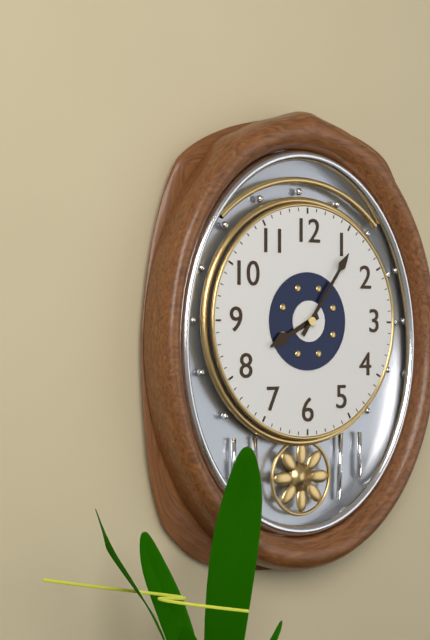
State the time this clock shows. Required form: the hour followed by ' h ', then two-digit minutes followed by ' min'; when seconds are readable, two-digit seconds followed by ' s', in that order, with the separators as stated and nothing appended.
8 h 06 min
